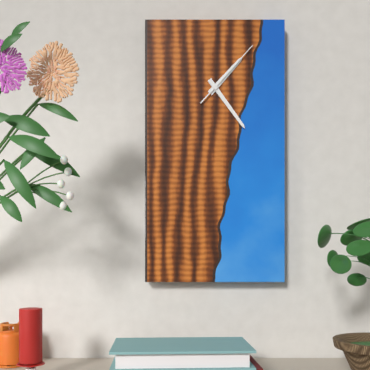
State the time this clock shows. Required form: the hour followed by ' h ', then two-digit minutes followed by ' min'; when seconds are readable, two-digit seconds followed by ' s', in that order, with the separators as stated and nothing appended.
1 h 24 min 07 s
